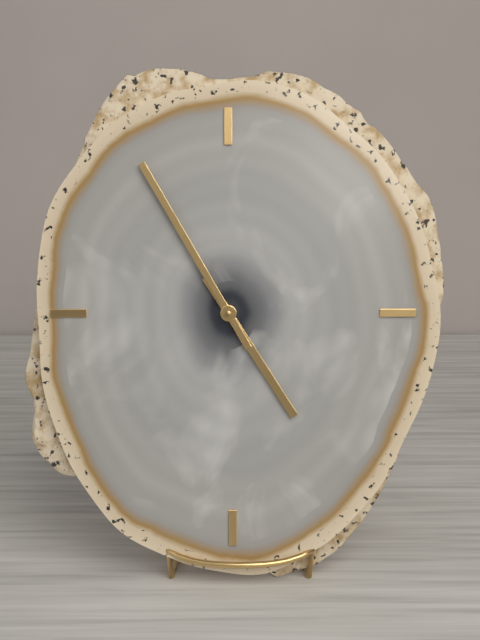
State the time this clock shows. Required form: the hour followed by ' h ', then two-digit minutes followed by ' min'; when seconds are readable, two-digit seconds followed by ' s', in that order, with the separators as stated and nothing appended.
4 h 55 min
